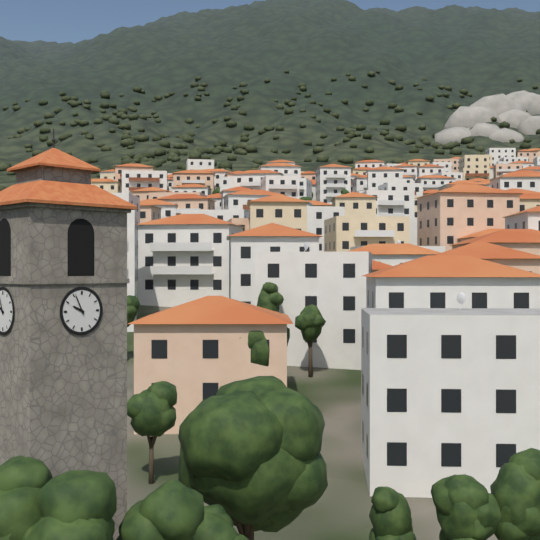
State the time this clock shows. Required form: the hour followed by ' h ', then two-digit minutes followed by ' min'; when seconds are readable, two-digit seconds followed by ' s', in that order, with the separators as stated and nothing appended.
9 h 56 min
